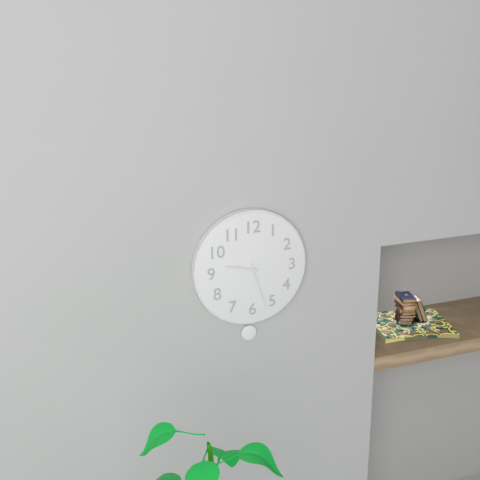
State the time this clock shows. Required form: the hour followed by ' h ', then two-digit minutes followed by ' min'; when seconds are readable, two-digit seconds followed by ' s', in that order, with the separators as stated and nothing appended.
9 h 27 min
